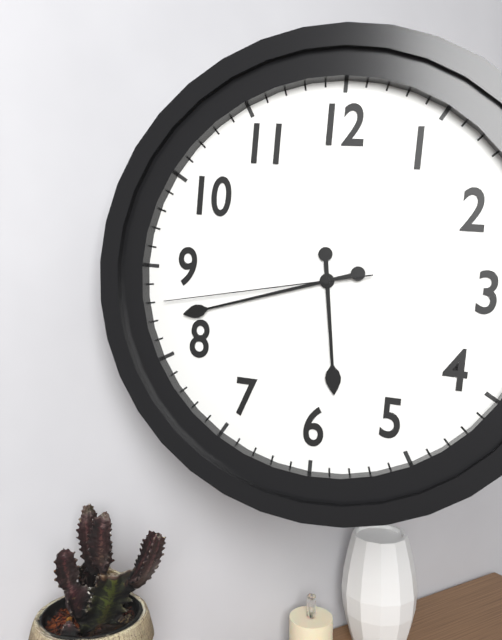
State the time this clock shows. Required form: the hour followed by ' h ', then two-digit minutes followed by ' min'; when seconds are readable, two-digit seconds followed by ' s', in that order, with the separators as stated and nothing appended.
5 h 42 min 43 s
